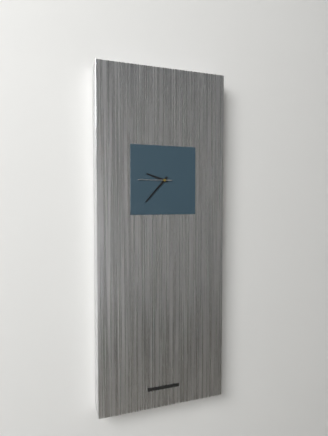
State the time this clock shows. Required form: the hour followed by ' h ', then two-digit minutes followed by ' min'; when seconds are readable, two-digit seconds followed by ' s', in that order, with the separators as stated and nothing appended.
9 h 37 min
